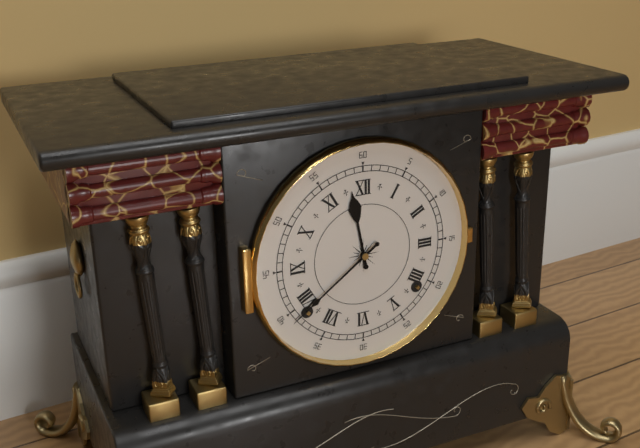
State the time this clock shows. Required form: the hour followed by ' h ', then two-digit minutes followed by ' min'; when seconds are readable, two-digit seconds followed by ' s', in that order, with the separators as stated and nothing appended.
11 h 39 min
